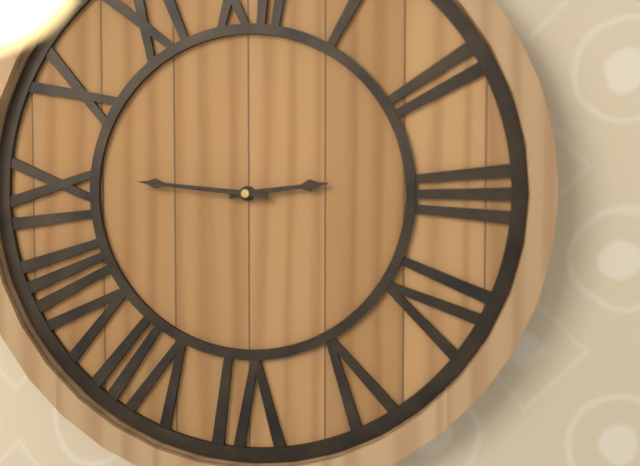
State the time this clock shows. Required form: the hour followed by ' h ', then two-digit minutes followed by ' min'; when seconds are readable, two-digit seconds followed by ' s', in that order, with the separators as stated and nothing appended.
2 h 46 min
